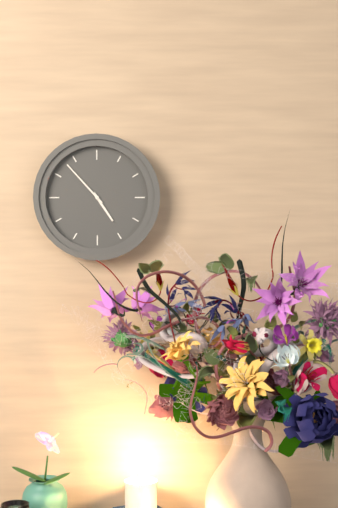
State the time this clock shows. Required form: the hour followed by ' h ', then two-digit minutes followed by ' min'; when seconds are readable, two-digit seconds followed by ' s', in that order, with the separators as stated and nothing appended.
4 h 53 min
